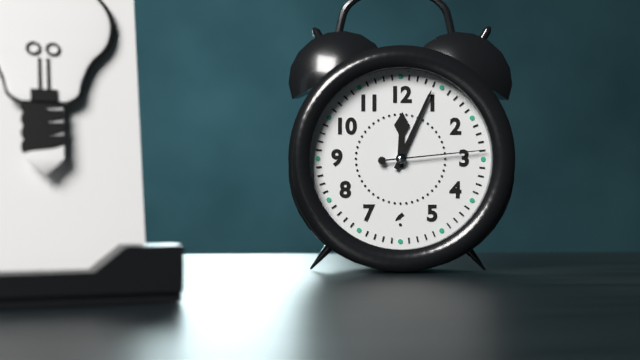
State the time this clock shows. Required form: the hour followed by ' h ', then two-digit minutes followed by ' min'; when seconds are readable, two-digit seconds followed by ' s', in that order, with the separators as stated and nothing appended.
12 h 04 min 14 s
